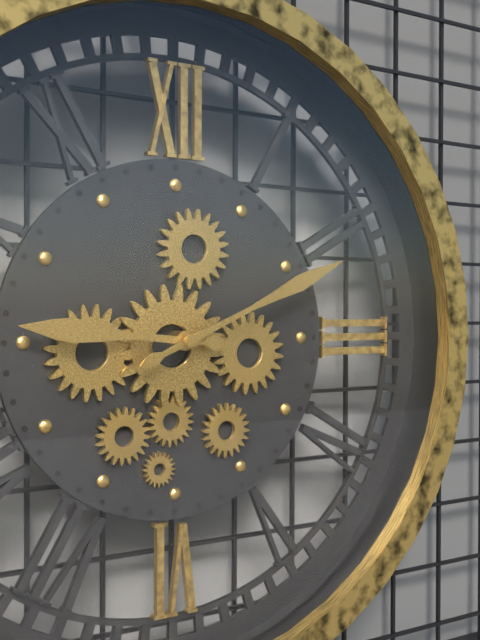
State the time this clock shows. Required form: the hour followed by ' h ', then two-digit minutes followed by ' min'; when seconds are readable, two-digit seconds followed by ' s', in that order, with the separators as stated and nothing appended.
9 h 11 min
